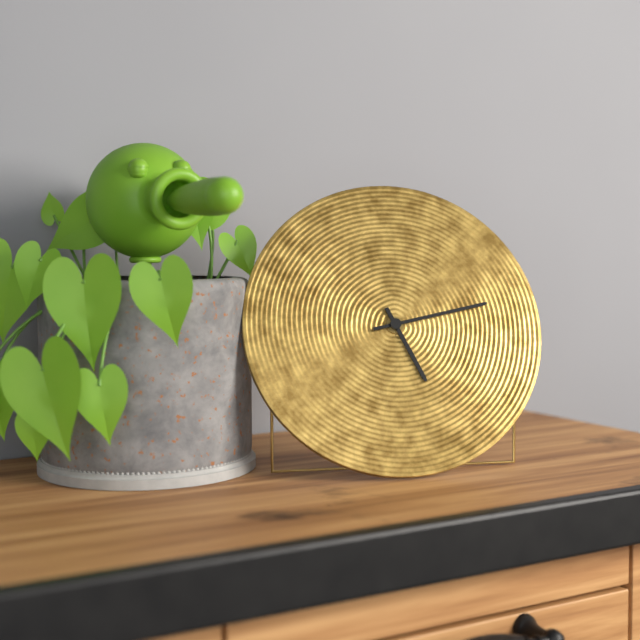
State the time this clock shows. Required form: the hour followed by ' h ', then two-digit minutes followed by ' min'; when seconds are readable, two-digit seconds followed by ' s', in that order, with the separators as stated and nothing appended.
5 h 13 min
